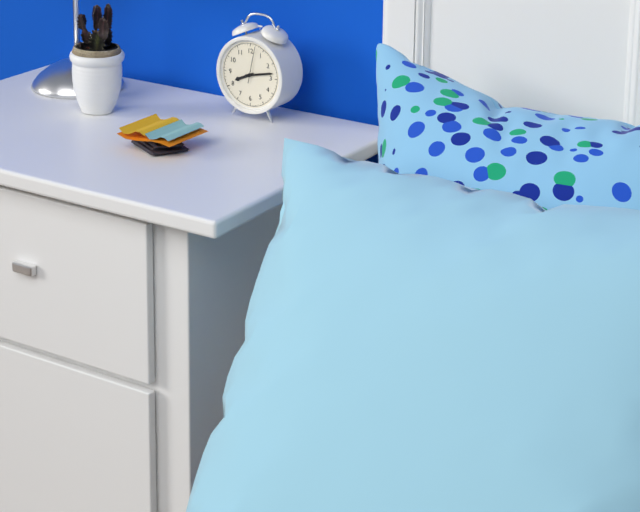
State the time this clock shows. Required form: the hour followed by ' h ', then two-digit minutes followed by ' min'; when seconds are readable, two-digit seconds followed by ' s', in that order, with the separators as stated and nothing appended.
8 h 13 min
